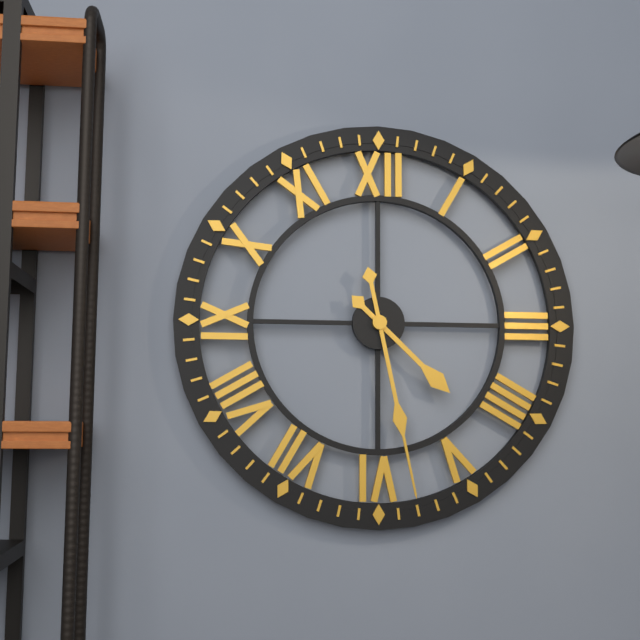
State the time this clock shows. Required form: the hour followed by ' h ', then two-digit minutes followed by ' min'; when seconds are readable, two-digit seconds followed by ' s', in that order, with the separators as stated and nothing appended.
4 h 28 min
